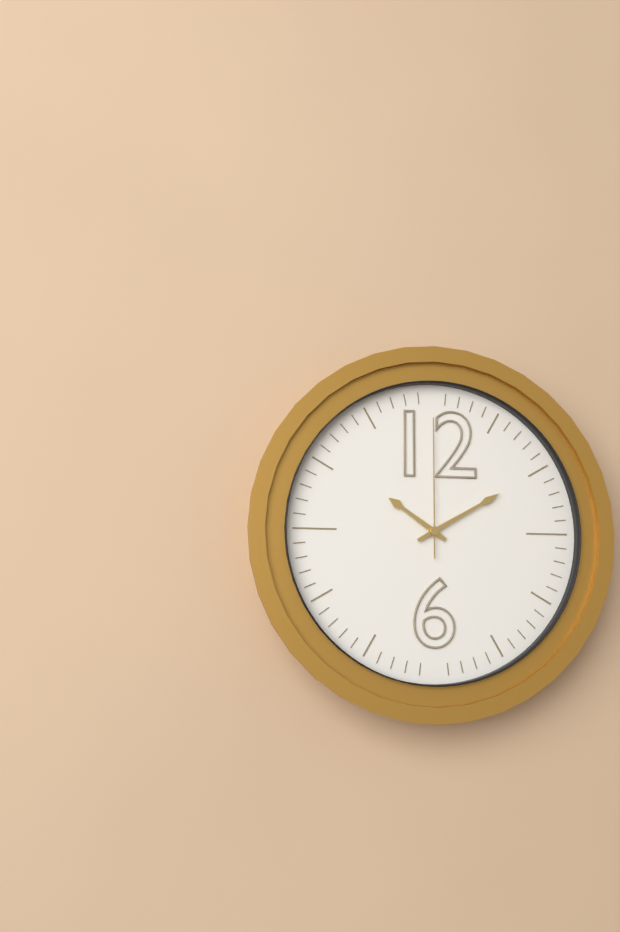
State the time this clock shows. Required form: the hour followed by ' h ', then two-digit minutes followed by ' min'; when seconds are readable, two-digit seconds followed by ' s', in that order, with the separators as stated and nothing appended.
10 h 10 min 00 s
